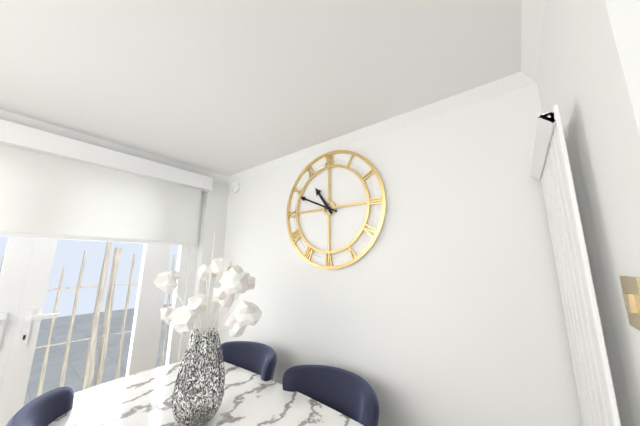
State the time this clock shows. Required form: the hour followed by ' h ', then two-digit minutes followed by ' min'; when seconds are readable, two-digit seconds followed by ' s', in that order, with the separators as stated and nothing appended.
10 h 49 min
